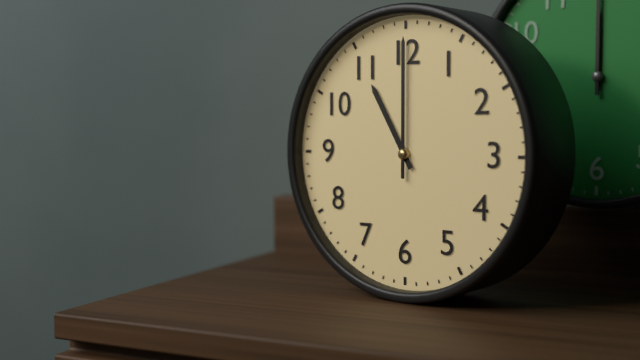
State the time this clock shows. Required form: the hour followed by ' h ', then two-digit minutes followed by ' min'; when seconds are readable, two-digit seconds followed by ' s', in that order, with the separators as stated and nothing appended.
11 h 00 min
